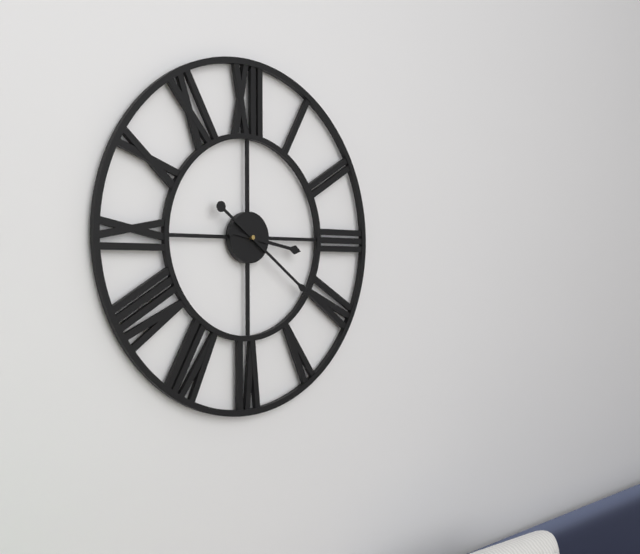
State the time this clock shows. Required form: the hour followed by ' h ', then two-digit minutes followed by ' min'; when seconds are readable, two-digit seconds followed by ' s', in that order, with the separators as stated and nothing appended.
3 h 21 min
